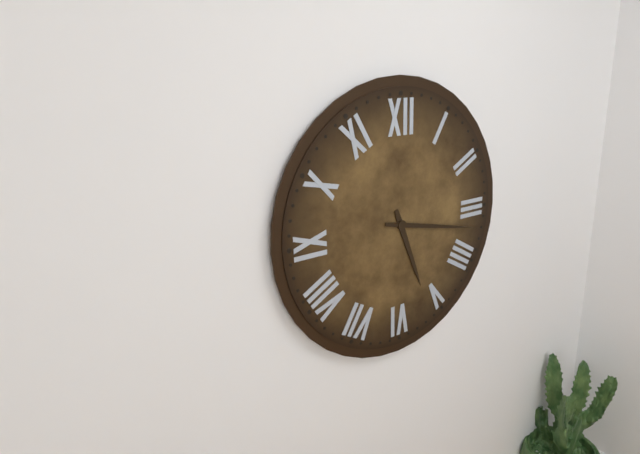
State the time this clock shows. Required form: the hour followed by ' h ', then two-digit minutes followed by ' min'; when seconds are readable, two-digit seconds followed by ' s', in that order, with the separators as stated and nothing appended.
5 h 17 min
